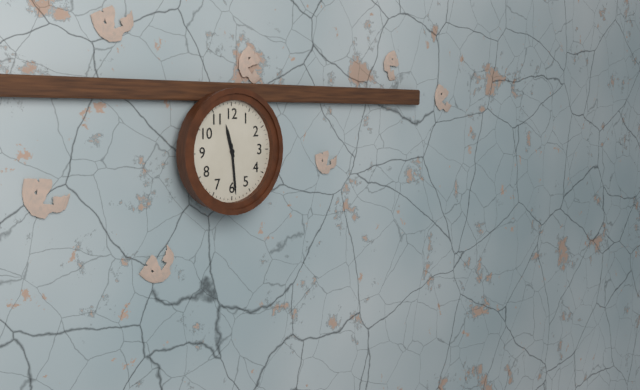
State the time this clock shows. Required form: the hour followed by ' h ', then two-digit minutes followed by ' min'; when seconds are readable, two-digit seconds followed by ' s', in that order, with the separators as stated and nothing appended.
11 h 29 min
